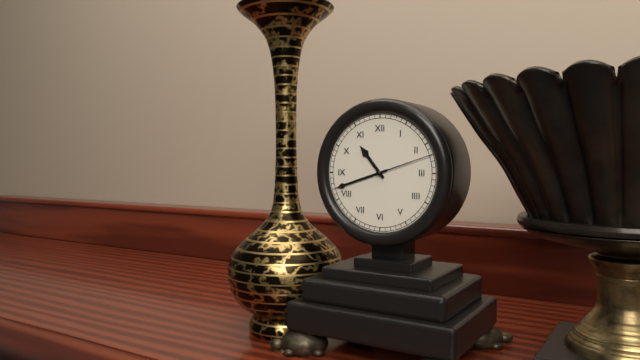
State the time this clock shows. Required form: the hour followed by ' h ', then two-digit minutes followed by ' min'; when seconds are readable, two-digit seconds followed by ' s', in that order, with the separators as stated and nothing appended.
10 h 42 min 12 s
